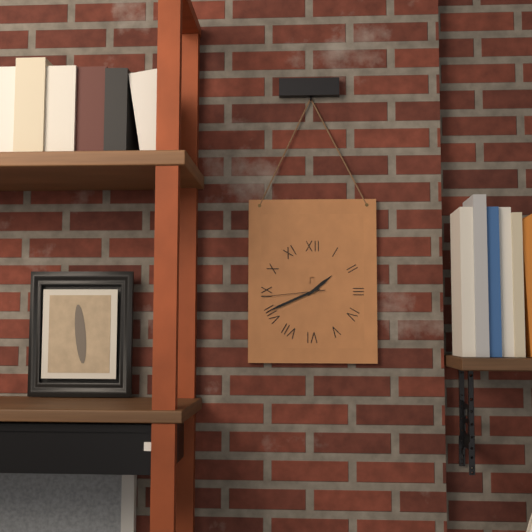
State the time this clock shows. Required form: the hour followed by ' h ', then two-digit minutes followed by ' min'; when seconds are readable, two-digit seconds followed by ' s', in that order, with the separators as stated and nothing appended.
1 h 41 min 44 s
